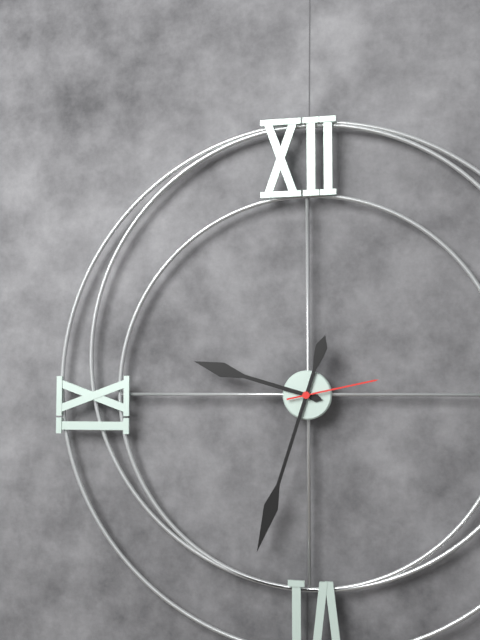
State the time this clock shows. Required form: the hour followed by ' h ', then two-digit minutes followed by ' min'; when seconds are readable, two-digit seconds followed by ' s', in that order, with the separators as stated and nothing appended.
9 h 33 min 13 s
